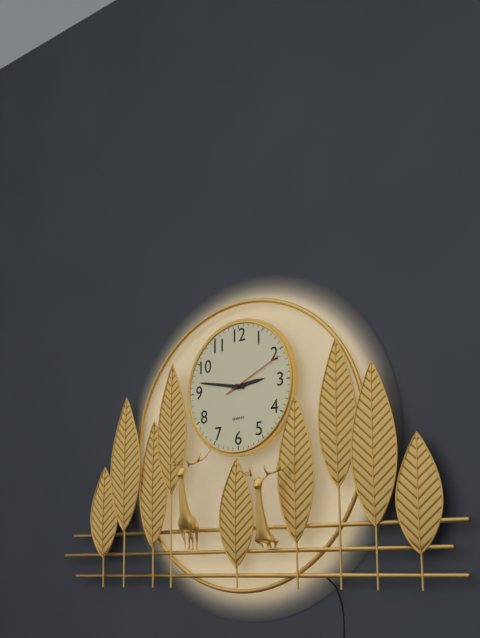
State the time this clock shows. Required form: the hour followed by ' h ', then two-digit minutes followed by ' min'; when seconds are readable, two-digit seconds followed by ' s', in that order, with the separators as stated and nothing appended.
2 h 47 min 11 s
